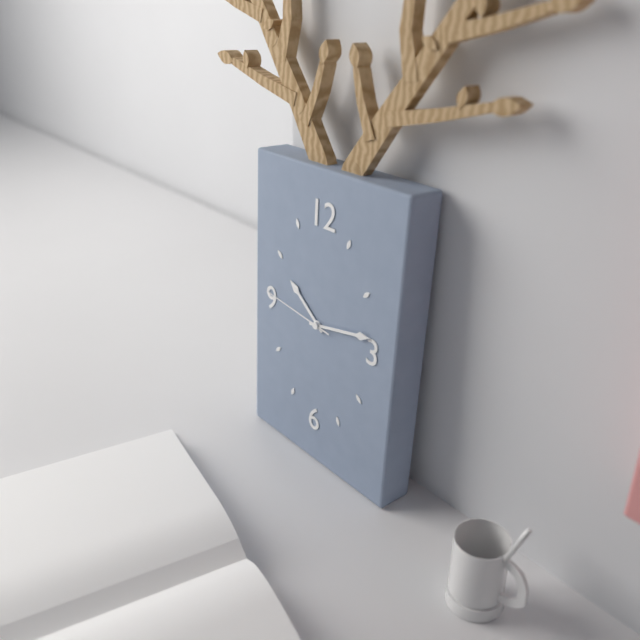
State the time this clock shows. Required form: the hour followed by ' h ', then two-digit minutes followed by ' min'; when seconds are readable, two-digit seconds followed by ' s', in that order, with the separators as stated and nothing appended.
10 h 13 min 46 s
